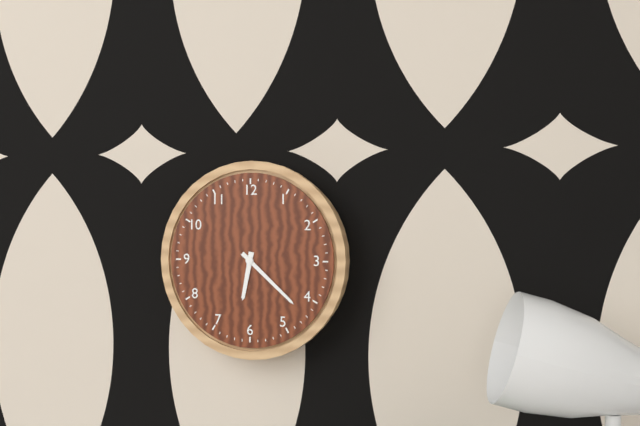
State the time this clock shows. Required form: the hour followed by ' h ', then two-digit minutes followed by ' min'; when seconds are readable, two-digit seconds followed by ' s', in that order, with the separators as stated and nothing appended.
6 h 22 min
